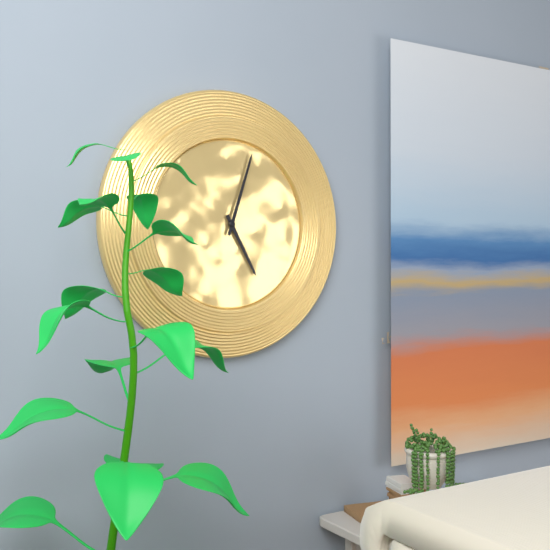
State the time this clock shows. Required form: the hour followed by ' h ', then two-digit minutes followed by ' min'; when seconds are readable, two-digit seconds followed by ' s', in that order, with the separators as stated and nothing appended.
5 h 03 min
